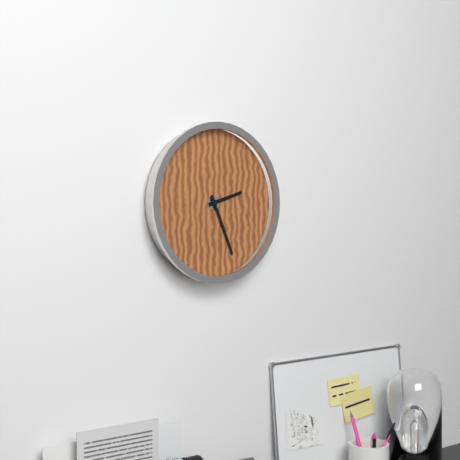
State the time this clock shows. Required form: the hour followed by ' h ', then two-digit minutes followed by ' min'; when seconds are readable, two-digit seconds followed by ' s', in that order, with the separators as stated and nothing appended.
2 h 26 min
